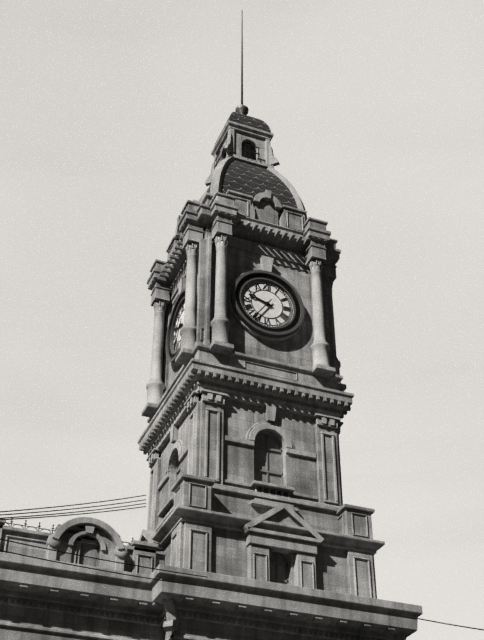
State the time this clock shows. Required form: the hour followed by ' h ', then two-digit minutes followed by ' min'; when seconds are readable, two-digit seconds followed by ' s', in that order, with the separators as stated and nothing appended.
9 h 36 min
